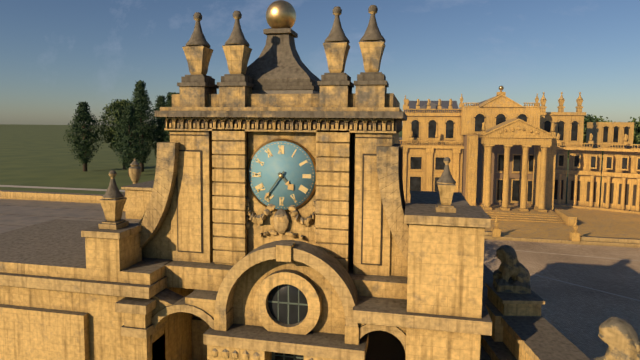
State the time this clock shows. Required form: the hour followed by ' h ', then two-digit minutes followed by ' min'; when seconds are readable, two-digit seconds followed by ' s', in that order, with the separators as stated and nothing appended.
4 h 36 min
